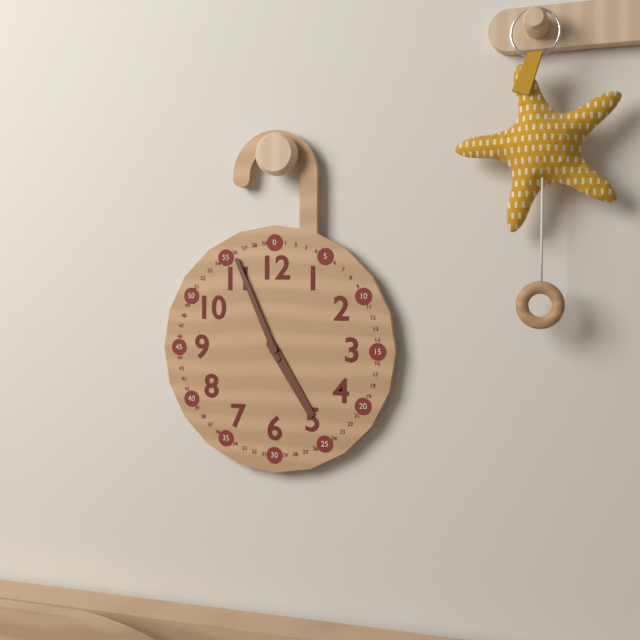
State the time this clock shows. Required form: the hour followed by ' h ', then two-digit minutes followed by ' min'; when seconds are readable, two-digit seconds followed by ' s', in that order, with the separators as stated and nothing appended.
4 h 56 min
